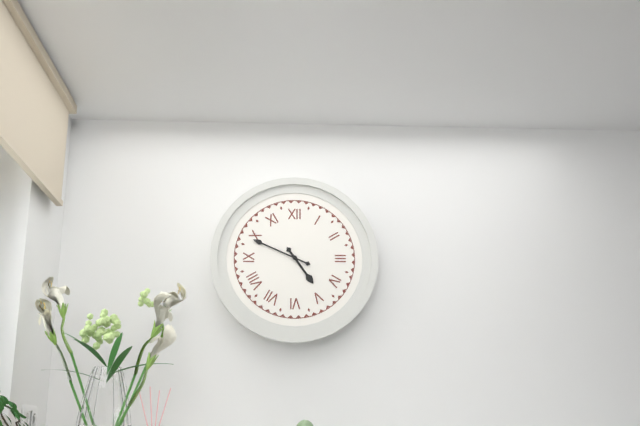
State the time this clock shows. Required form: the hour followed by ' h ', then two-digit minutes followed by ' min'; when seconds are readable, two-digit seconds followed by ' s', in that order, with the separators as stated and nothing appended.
4 h 49 min
